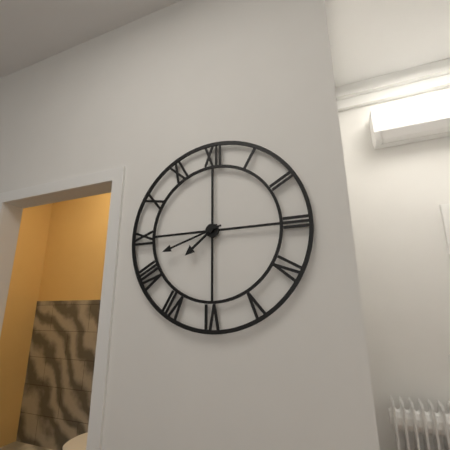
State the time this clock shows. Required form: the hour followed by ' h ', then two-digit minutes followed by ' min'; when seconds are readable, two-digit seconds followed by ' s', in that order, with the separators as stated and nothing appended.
7 h 42 min
